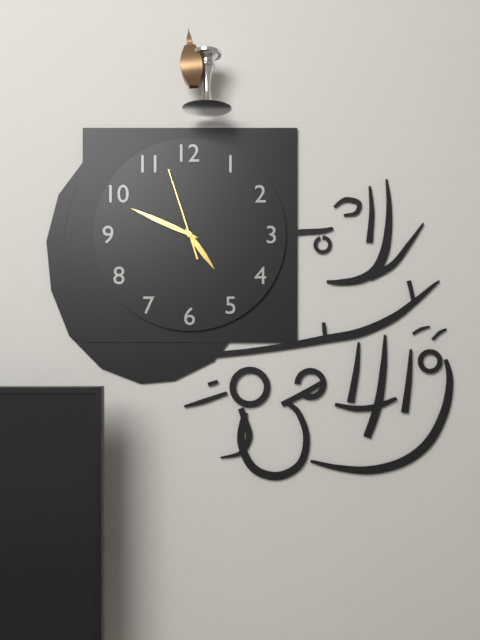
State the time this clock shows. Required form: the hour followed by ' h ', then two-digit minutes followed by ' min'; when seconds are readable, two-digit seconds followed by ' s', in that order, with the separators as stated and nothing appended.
4 h 49 min 57 s
